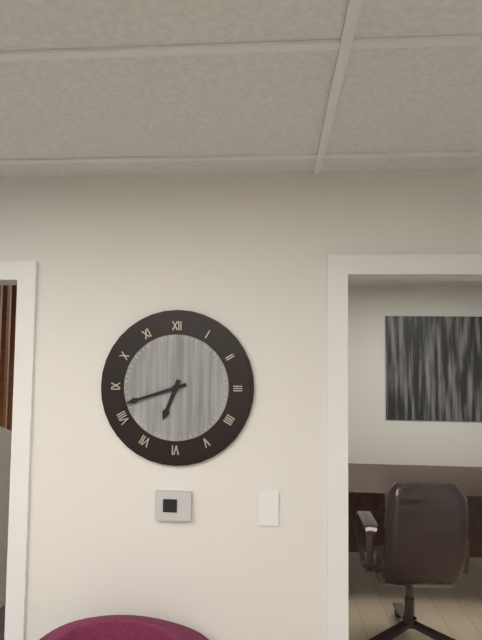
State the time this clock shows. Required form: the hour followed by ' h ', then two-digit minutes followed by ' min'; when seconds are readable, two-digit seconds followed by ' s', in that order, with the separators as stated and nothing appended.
6 h 42 min
